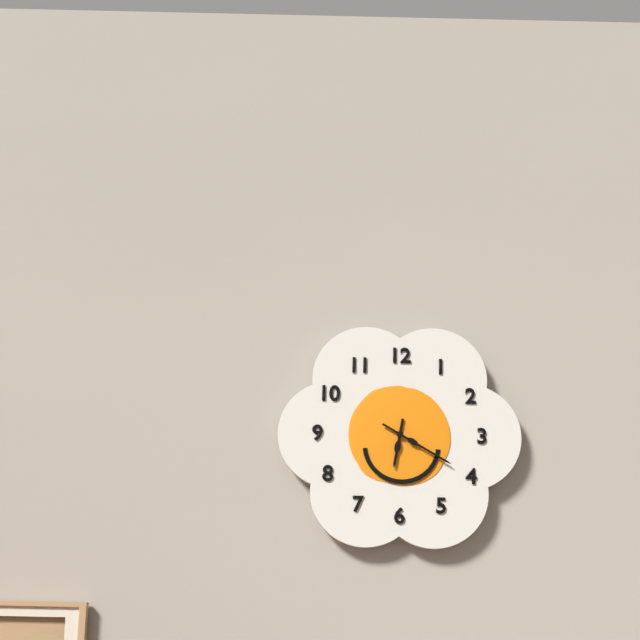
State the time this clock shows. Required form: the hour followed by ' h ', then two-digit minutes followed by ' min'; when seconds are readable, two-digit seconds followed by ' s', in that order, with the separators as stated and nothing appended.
6 h 20 min
